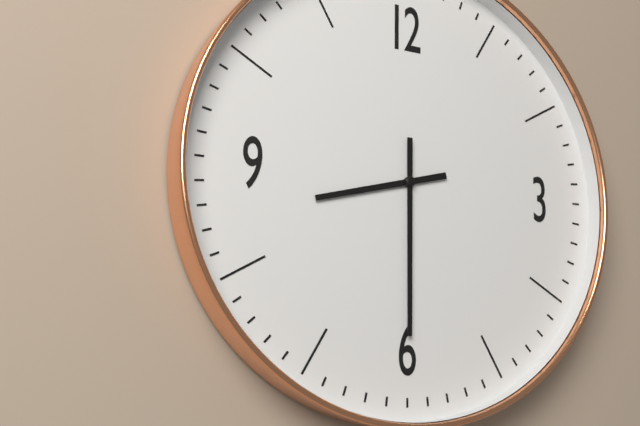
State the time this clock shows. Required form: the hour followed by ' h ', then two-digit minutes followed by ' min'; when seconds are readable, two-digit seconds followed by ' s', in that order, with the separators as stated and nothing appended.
8 h 30 min
